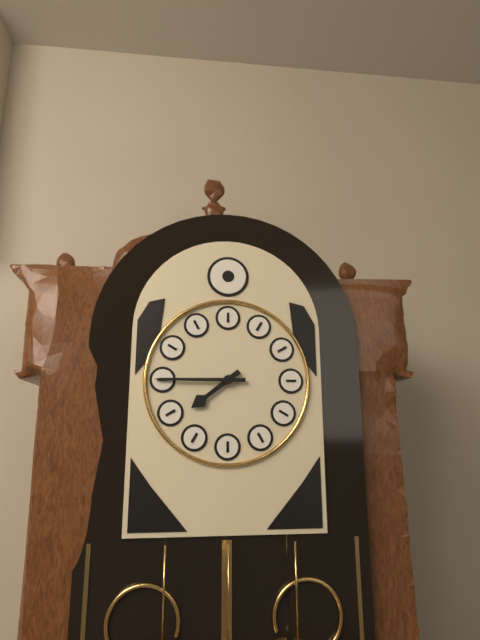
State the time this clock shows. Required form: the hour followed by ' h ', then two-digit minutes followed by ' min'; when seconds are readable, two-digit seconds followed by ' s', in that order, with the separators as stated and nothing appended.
7 h 45 min
